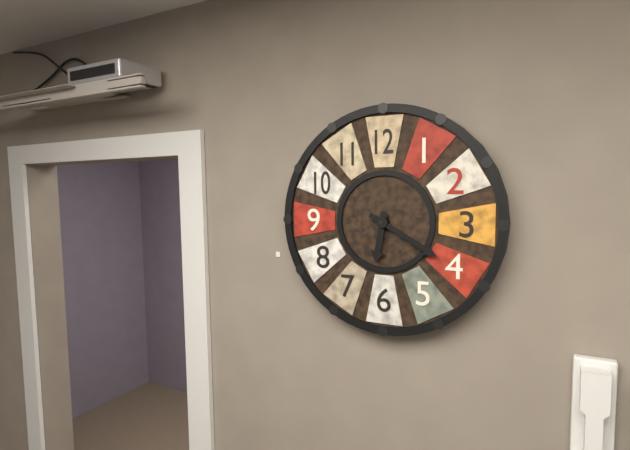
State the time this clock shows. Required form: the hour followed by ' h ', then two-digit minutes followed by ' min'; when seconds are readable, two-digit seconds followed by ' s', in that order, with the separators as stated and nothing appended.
6 h 20 min
